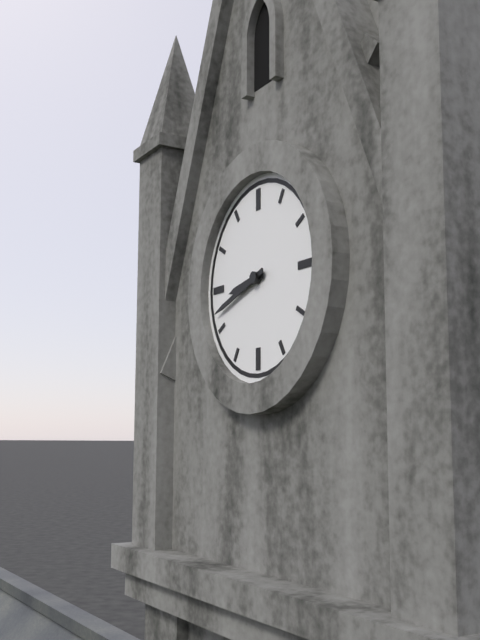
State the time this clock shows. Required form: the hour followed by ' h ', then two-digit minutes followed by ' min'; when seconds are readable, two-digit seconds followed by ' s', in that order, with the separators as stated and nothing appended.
8 h 42 min
